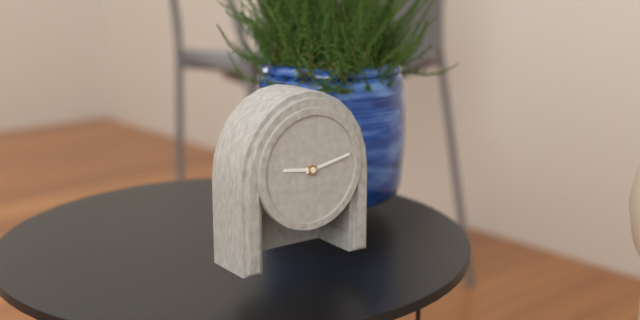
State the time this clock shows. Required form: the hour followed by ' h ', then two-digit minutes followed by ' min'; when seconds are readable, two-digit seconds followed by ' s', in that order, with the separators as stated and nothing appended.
9 h 13 min
